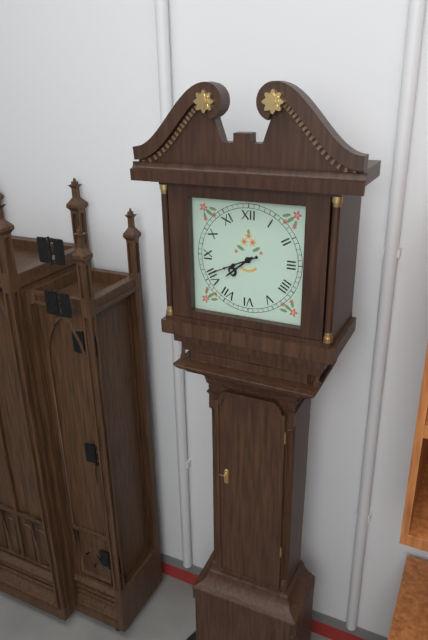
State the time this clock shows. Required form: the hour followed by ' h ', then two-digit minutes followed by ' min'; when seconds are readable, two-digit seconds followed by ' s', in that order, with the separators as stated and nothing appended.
7 h 41 min
